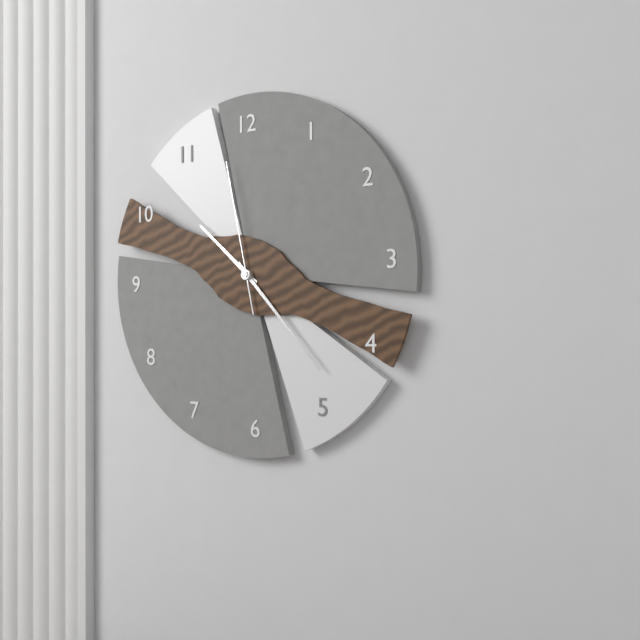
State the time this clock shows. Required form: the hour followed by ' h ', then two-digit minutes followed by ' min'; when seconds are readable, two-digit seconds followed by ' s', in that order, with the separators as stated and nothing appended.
10 h 23 min 58 s
